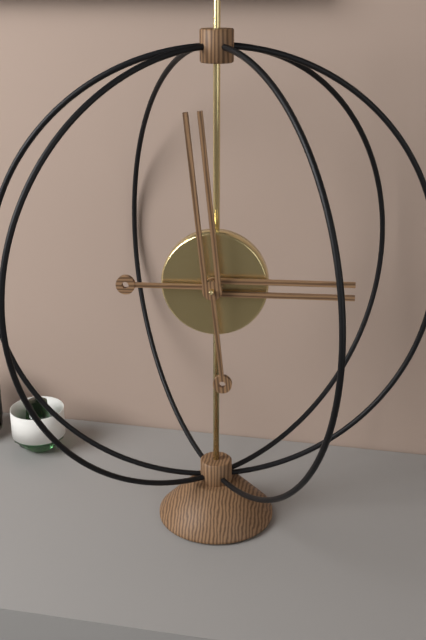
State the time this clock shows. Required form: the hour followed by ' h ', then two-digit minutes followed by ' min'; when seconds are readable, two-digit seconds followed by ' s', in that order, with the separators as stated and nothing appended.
2 h 59 min
